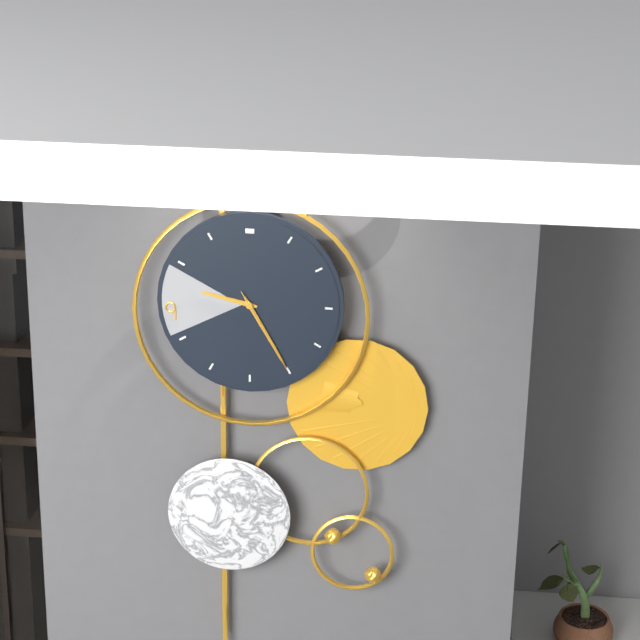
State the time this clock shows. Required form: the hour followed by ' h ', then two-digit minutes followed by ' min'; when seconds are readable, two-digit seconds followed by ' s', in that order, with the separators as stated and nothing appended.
9 h 25 min 25 s
